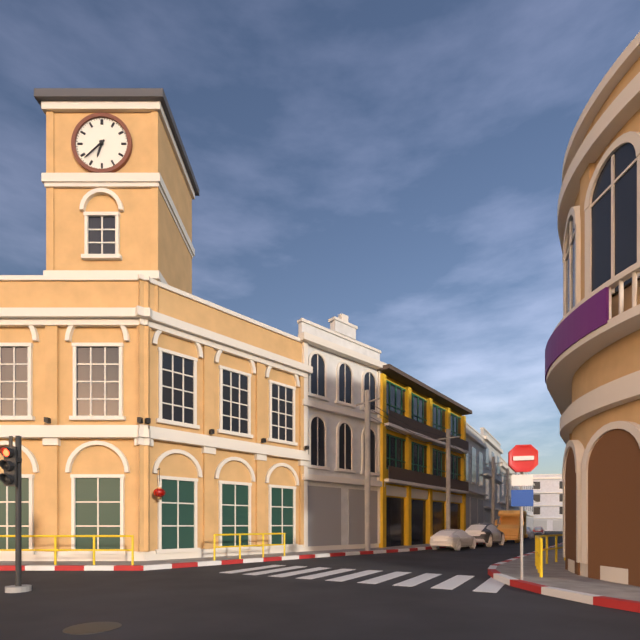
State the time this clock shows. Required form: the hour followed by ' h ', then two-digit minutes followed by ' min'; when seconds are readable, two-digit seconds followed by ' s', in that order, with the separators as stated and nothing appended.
6 h 38 min
